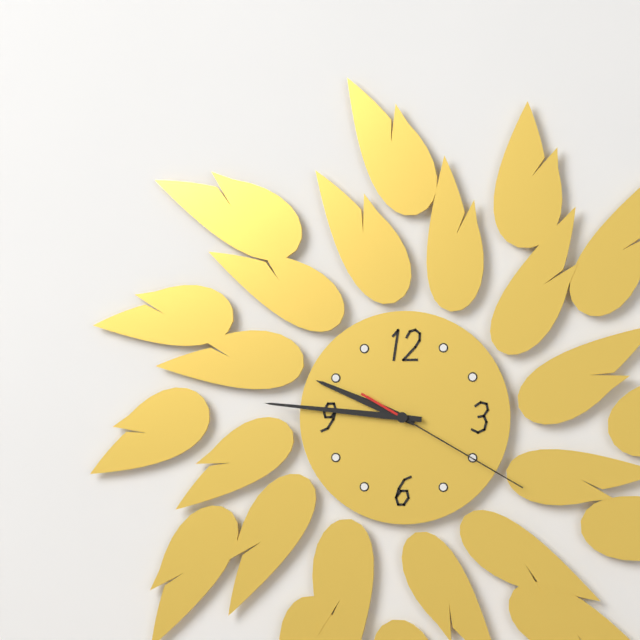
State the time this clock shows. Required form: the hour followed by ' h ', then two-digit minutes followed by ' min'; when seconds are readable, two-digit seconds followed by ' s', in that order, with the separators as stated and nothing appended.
9 h 46 min 20 s
